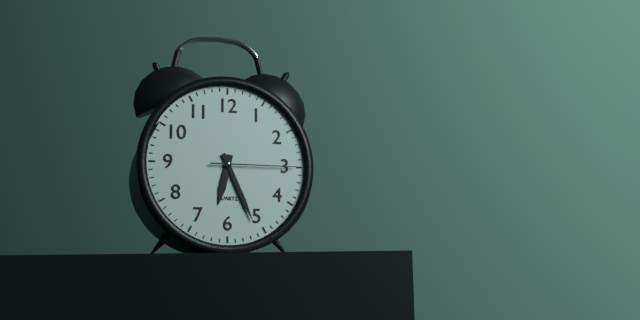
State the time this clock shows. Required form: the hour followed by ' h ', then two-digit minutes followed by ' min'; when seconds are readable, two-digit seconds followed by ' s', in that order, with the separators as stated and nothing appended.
6 h 26 min 15 s
